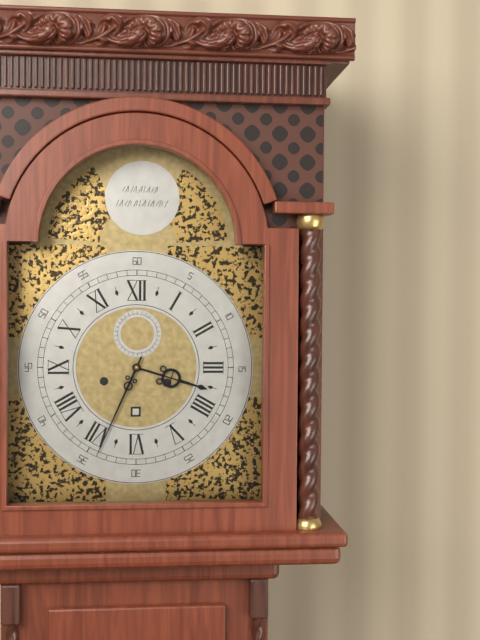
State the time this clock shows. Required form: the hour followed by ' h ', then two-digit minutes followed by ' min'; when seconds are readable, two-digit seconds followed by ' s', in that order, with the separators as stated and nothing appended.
3 h 34 min
